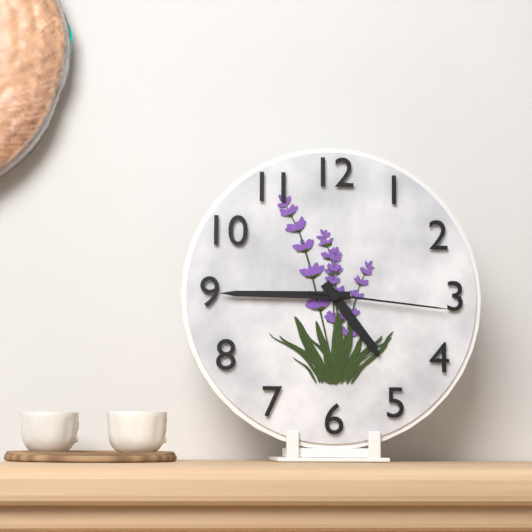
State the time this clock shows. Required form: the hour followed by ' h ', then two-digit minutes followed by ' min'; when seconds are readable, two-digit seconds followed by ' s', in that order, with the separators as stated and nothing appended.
4 h 45 min 16 s
